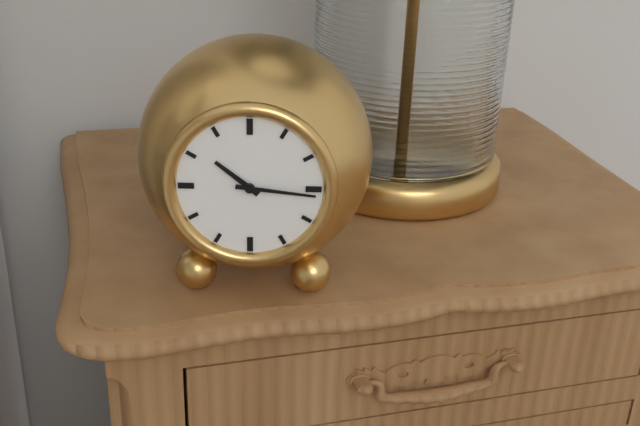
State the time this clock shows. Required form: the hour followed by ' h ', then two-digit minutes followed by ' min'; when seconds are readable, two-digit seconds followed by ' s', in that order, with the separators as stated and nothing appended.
10 h 16 min
